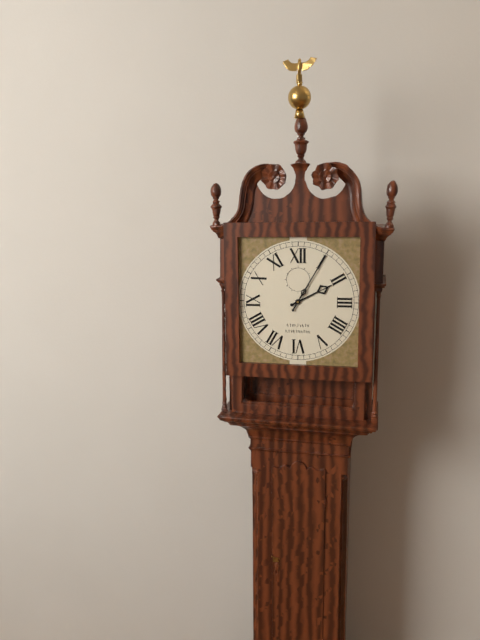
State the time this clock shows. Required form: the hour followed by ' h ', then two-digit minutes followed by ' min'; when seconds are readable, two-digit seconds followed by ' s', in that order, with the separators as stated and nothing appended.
2 h 05 min
